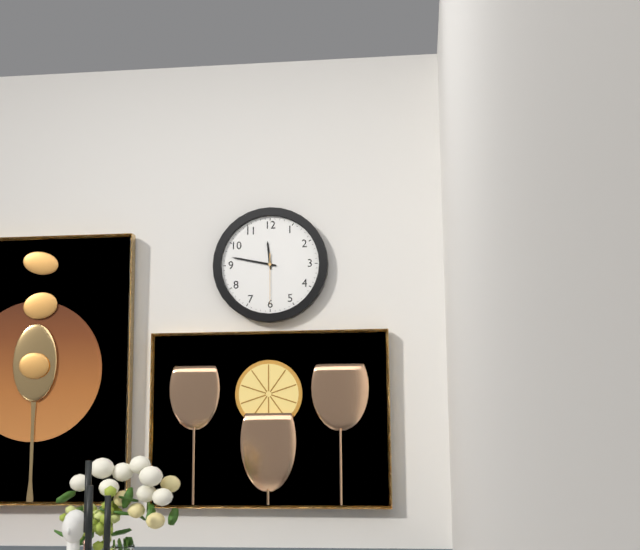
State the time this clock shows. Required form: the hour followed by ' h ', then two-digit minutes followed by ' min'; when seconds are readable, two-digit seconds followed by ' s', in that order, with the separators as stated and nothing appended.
11 h 47 min 30 s
